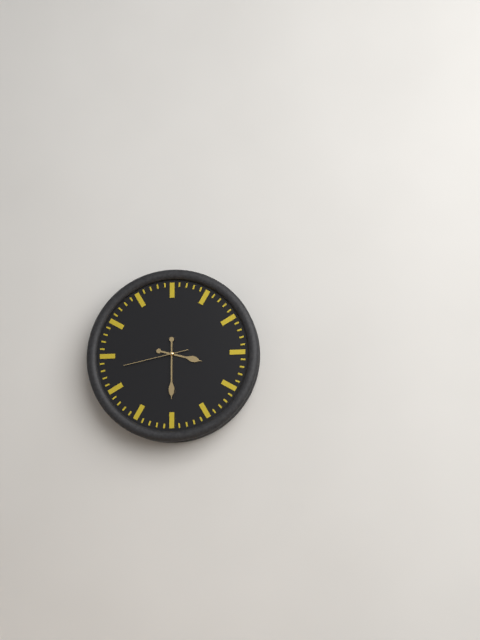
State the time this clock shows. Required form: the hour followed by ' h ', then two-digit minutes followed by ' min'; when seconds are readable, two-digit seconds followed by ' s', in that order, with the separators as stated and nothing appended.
3 h 30 min 43 s
